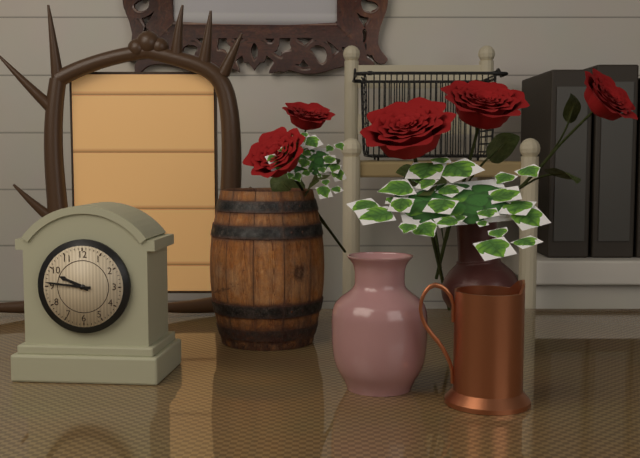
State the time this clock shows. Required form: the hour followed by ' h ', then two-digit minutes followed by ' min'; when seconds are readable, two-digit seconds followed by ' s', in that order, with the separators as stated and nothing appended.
9 h 46 min
